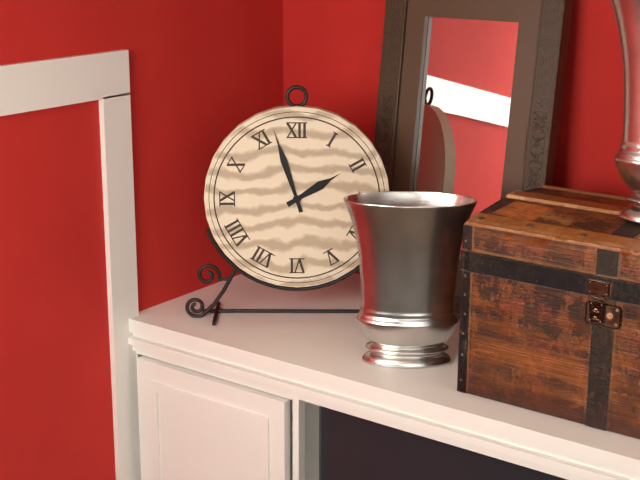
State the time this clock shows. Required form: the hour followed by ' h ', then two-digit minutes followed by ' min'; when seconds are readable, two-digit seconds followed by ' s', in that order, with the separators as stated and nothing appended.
1 h 57 min
